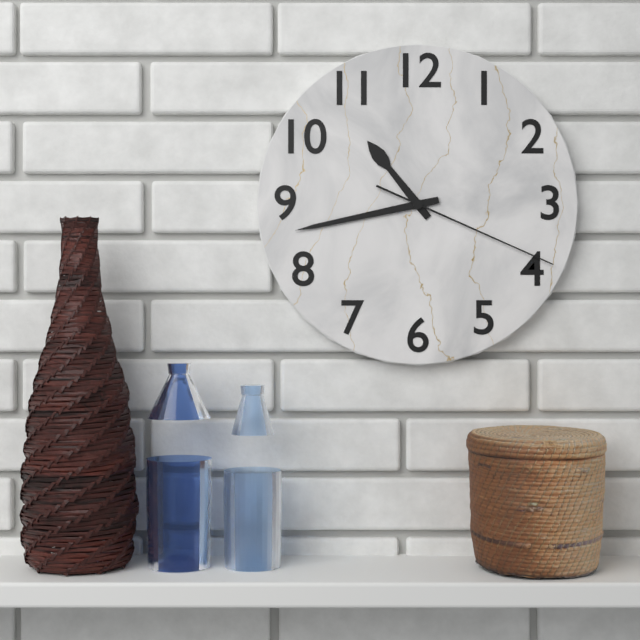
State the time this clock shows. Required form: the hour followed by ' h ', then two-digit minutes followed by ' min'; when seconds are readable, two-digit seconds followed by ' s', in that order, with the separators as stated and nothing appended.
10 h 43 min 19 s
